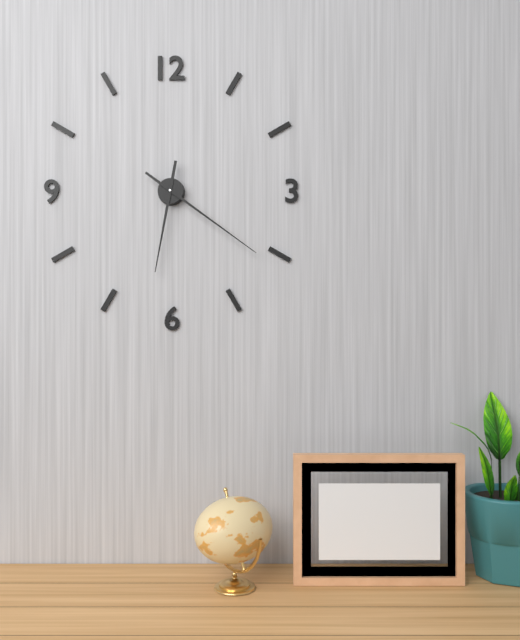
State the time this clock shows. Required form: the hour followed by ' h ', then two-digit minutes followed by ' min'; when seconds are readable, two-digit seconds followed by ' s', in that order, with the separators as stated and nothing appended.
6 h 21 min
